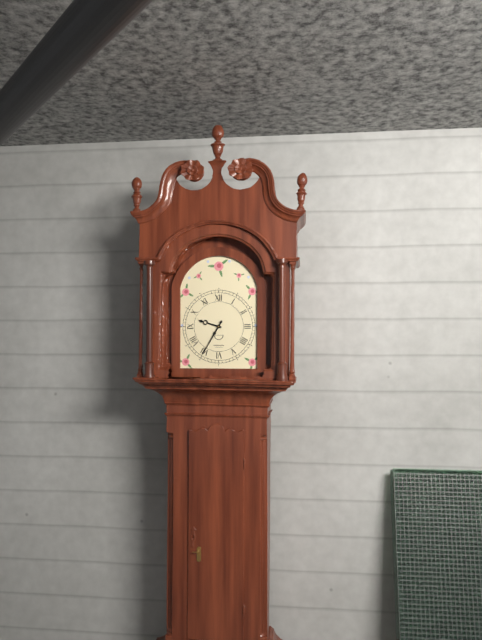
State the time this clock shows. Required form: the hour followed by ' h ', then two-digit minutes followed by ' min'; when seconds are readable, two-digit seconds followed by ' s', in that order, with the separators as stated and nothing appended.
9 h 35 min
